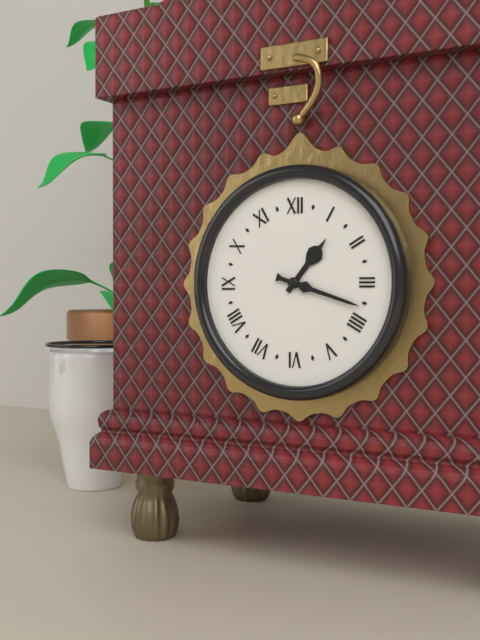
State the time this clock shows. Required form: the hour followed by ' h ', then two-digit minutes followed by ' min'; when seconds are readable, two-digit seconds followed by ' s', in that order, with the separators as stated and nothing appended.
1 h 18 min
